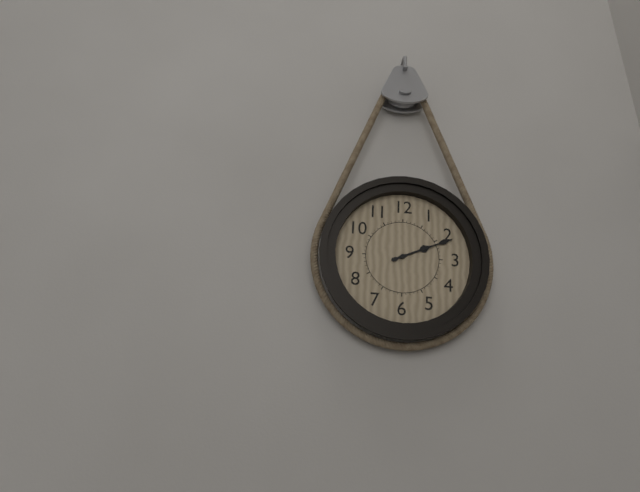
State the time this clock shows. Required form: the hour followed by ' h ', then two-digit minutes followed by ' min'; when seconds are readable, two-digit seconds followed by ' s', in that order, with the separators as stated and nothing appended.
2 h 11 min
